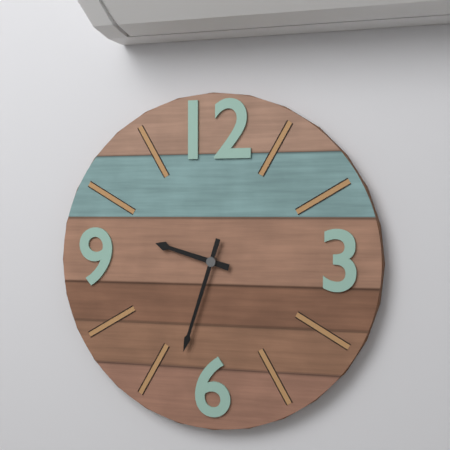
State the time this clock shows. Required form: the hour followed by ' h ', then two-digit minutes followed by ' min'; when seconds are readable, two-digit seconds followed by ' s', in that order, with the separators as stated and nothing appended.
9 h 33 min
